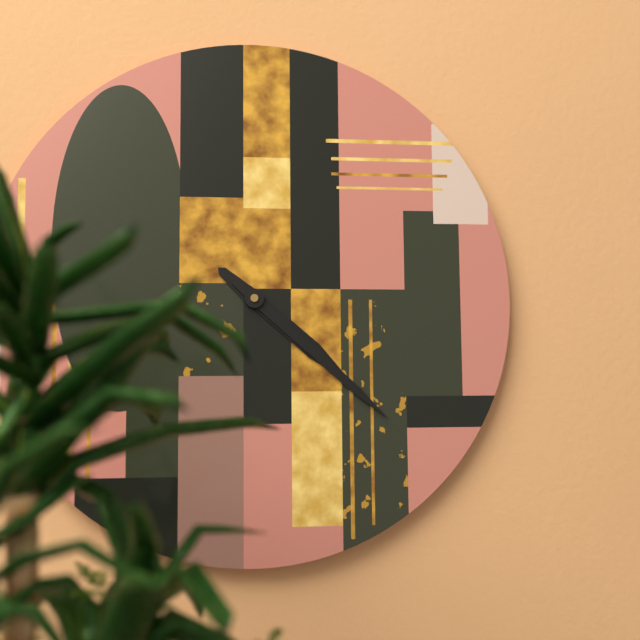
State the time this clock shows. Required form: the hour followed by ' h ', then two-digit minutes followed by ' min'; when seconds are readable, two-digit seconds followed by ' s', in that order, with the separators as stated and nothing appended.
4 h 22 min
